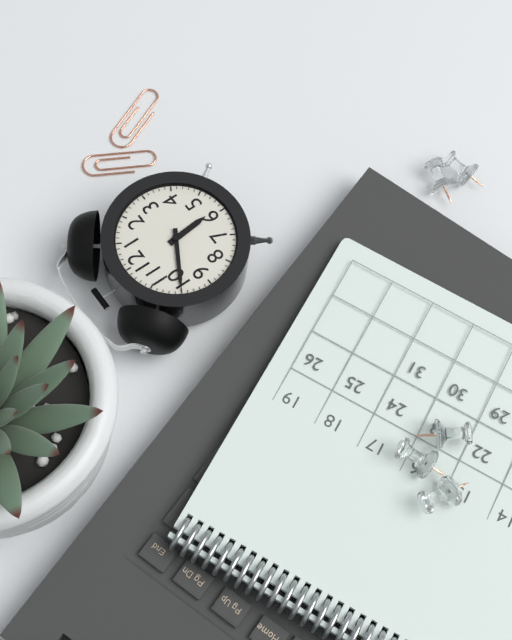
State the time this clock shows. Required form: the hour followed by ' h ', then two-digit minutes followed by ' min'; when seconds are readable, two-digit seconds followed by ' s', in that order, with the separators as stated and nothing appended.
5 h 50 min
